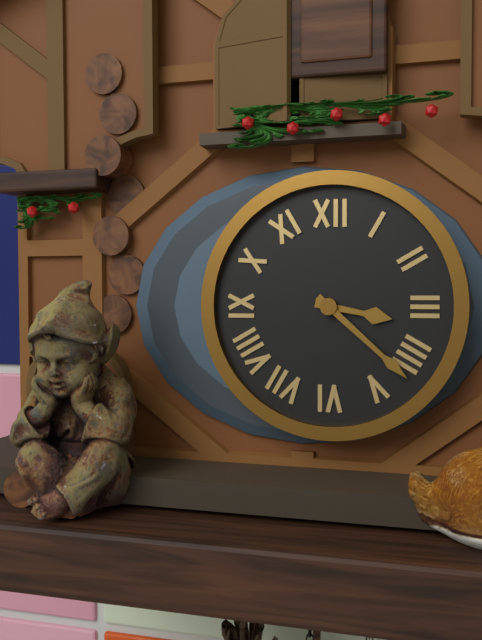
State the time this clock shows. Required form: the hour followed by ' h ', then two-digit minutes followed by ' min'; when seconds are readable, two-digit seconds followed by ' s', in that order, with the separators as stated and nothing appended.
3 h 22 min
